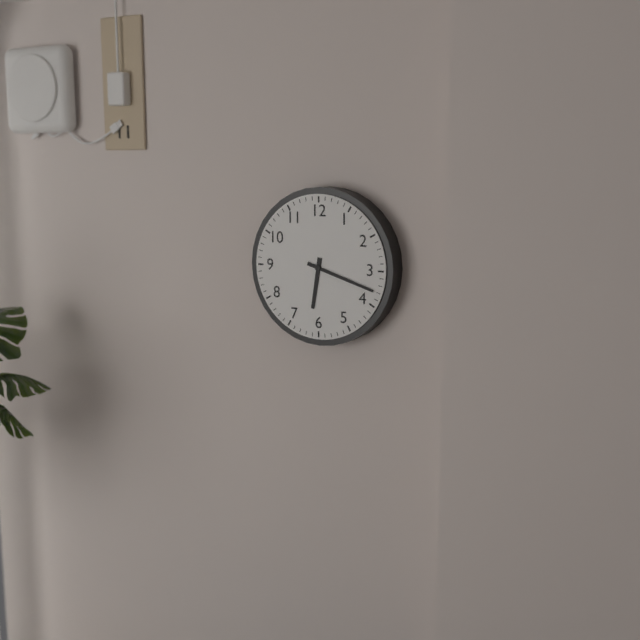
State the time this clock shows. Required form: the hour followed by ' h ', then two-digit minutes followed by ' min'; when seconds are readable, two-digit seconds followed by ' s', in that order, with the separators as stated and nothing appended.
6 h 18 min
